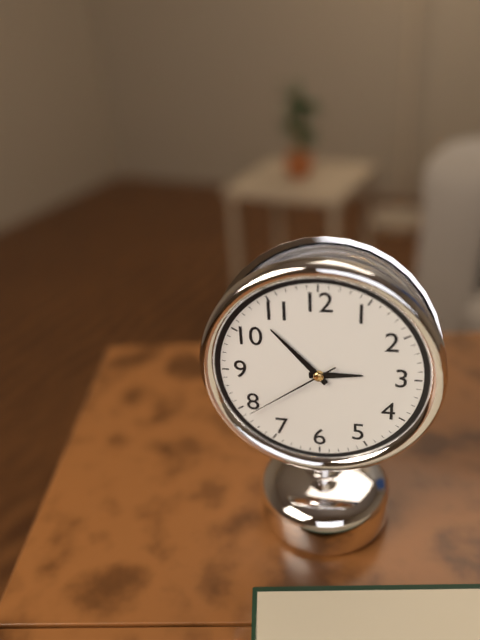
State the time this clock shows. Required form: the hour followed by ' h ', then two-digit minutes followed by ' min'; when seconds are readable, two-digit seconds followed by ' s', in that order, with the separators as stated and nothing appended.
2 h 53 min 39 s
